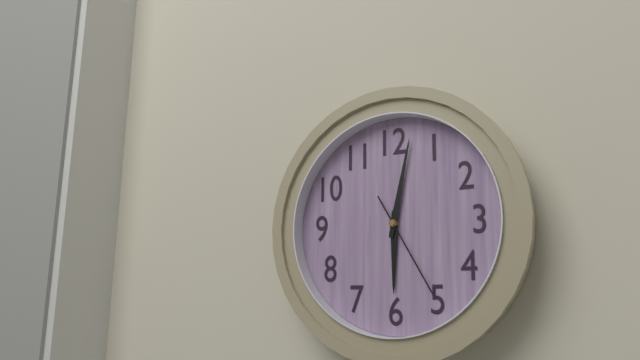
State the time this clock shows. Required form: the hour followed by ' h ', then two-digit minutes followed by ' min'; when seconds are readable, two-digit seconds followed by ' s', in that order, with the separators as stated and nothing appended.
6 h 02 min 25 s
